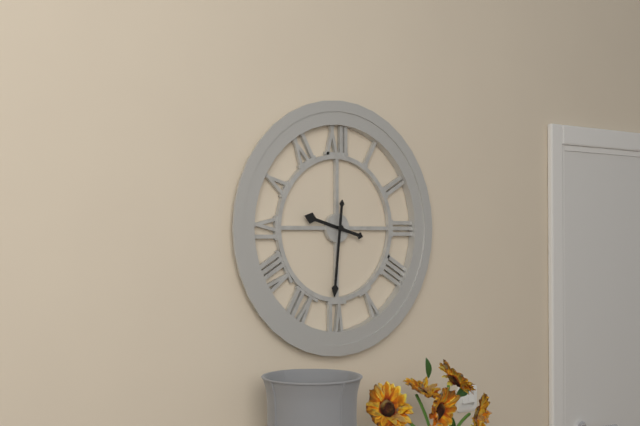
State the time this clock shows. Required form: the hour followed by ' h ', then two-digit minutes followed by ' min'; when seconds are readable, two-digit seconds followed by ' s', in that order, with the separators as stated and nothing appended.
9 h 31 min
